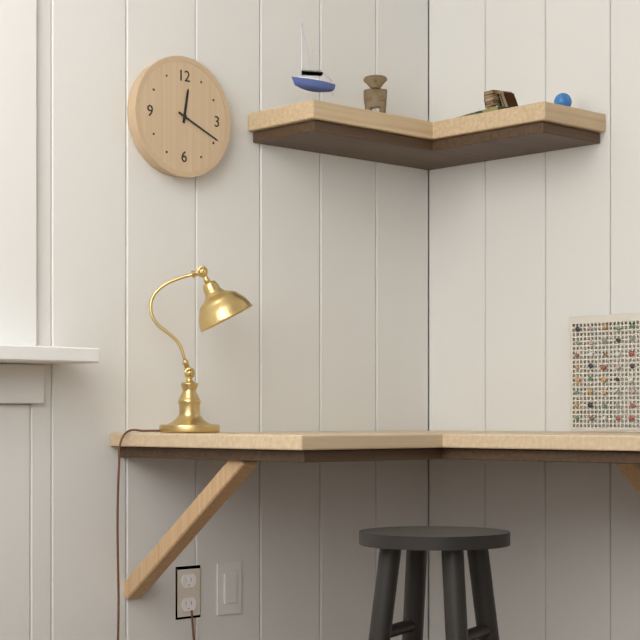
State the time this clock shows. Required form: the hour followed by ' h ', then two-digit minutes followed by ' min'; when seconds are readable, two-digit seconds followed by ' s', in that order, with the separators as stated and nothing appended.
12 h 19 min
